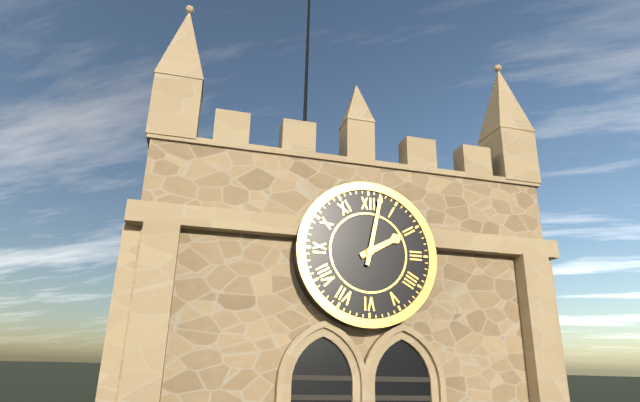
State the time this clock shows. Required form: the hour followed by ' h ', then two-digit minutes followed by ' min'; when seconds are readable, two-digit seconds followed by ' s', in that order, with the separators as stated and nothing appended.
2 h 02 min
